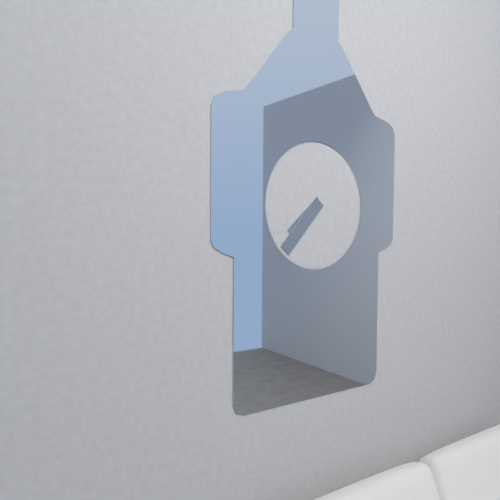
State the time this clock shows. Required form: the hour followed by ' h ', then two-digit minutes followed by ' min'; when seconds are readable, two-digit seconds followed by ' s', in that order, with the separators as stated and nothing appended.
7 h 37 min
